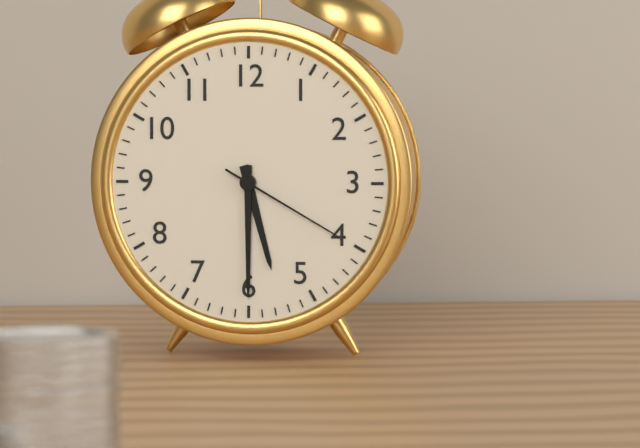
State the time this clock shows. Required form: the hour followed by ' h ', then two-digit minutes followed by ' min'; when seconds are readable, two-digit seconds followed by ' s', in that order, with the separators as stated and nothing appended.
5 h 30 min 20 s
